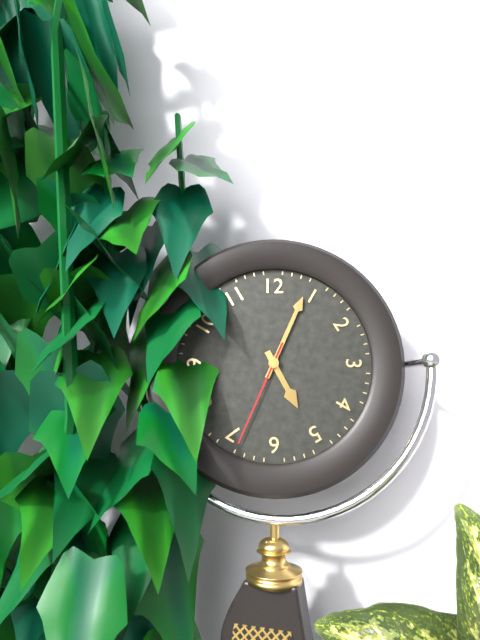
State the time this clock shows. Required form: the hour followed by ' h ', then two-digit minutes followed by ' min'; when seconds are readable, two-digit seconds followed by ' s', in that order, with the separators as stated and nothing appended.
5 h 04 min 34 s
